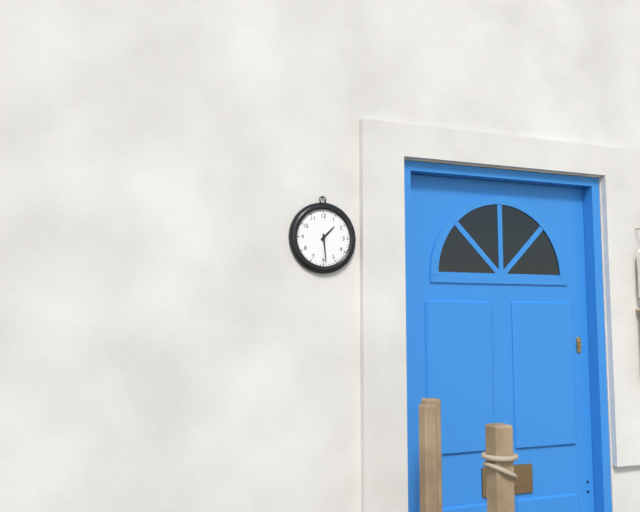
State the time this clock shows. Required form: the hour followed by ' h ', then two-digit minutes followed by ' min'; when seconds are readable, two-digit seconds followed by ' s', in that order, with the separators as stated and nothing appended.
1 h 29 min
